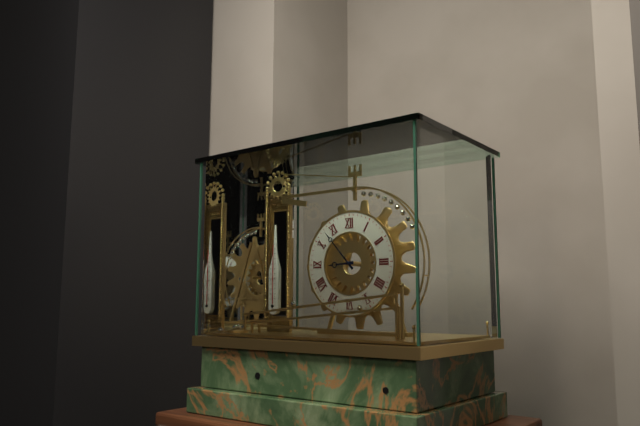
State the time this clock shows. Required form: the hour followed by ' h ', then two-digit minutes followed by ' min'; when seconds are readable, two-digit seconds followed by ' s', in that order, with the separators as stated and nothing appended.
8 h 53 min
